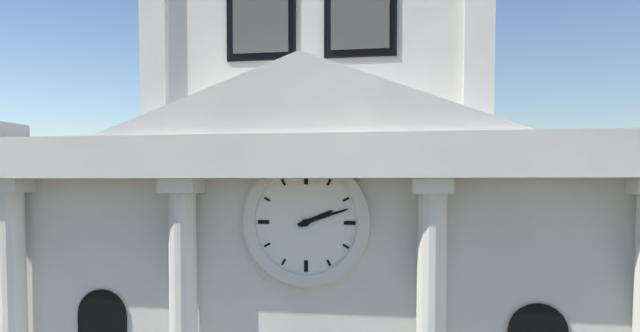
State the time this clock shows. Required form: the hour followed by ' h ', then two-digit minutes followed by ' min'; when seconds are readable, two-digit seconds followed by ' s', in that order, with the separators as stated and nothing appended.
2 h 12 min
